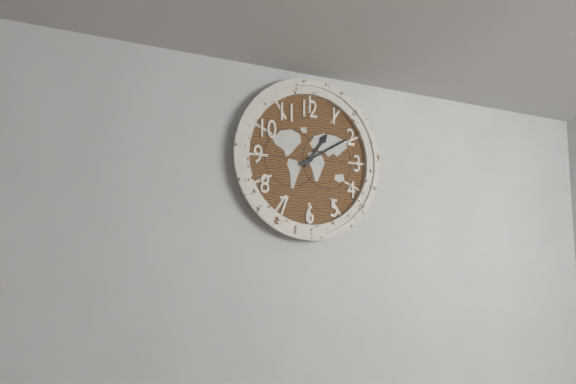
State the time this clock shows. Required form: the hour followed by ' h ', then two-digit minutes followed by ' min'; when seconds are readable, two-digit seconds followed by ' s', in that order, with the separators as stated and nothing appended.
1 h 10 min
